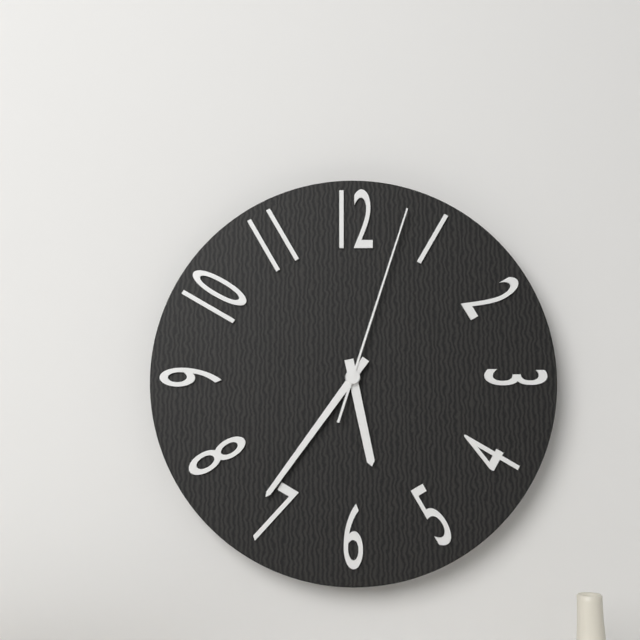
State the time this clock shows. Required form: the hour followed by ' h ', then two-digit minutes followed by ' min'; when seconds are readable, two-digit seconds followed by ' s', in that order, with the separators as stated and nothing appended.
5 h 36 min 03 s
